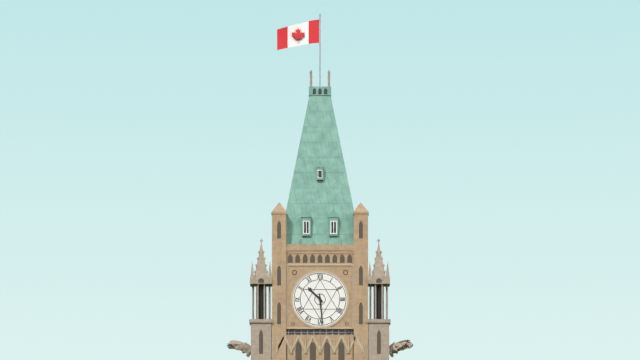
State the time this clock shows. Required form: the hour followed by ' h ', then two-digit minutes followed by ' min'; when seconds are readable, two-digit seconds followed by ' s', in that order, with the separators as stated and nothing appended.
10 h 29 min
